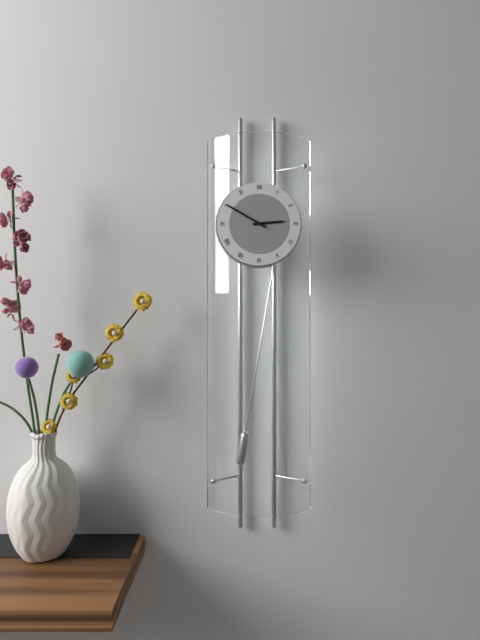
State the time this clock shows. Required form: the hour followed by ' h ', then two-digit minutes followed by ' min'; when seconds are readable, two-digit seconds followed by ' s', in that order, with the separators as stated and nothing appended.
2 h 50 min
